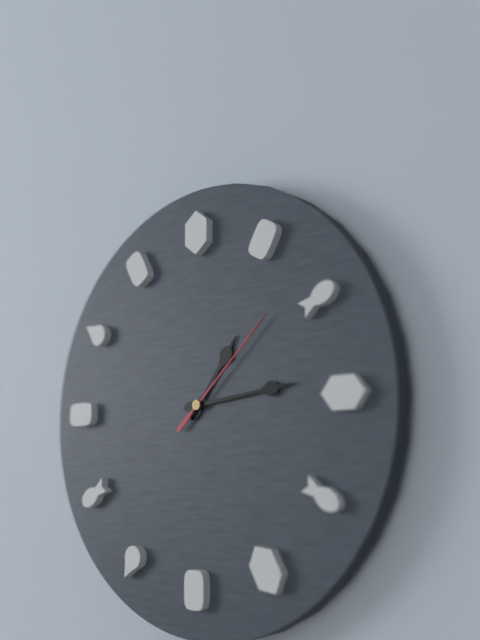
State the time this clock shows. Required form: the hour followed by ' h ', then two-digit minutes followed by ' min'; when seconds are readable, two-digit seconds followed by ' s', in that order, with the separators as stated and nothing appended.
1 h 14 min 08 s
